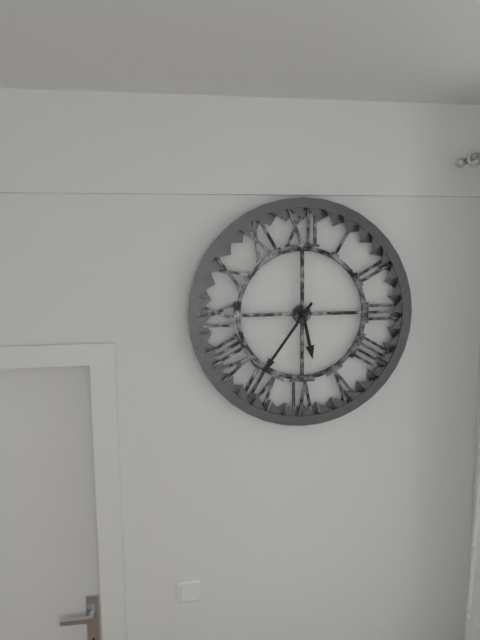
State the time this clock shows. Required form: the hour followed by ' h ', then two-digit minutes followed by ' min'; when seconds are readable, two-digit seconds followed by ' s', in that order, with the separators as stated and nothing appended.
5 h 36 min
